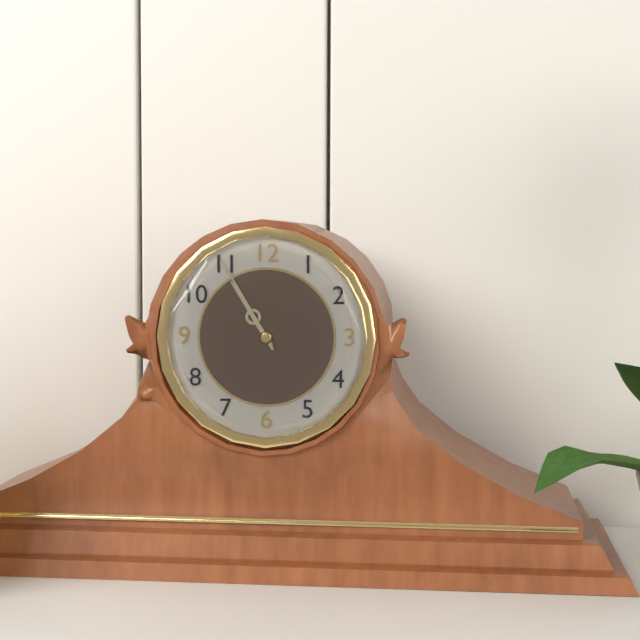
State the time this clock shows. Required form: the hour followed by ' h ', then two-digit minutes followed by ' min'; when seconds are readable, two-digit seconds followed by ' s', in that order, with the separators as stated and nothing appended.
10 h 55 min
